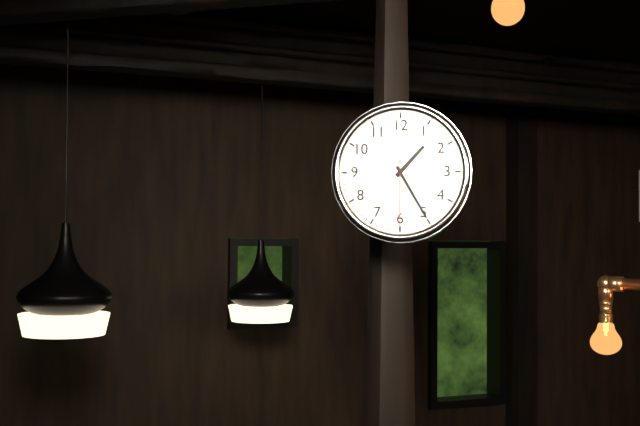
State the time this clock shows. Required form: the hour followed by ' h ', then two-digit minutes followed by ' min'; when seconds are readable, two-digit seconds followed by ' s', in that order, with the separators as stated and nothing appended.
1 h 25 min 30 s
